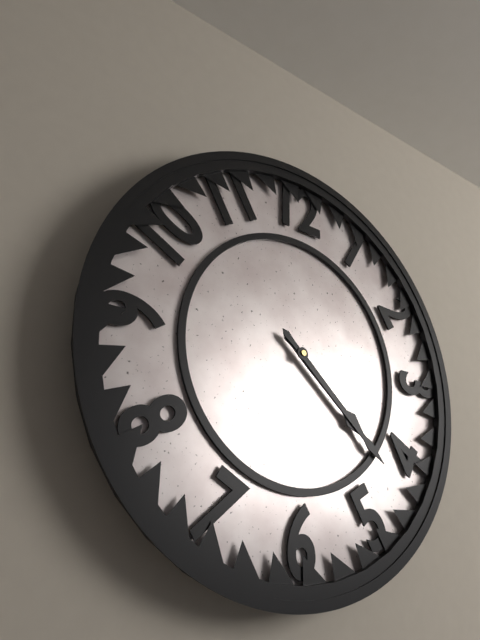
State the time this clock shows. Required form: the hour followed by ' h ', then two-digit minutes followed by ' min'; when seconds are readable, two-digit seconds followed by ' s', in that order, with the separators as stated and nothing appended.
4 h 22 min
